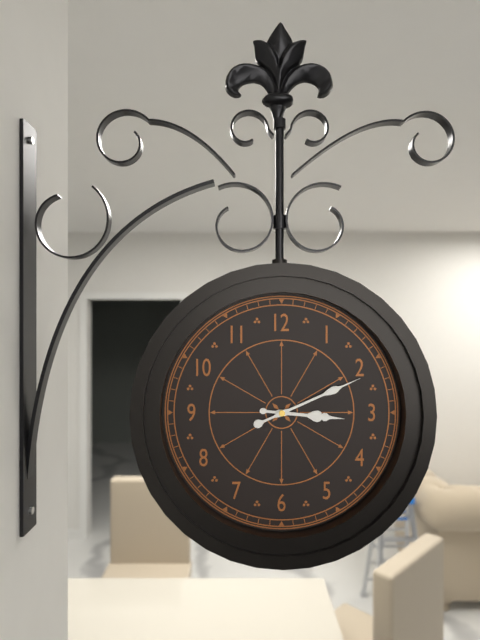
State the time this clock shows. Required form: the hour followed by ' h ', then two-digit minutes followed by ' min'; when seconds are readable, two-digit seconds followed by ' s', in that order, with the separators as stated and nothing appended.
3 h 11 min
